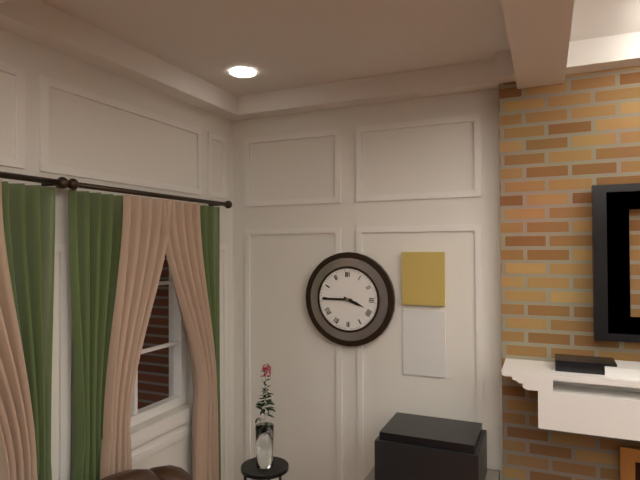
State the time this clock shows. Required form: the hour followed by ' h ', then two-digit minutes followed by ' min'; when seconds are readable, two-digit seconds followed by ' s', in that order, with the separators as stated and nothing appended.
3 h 45 min
